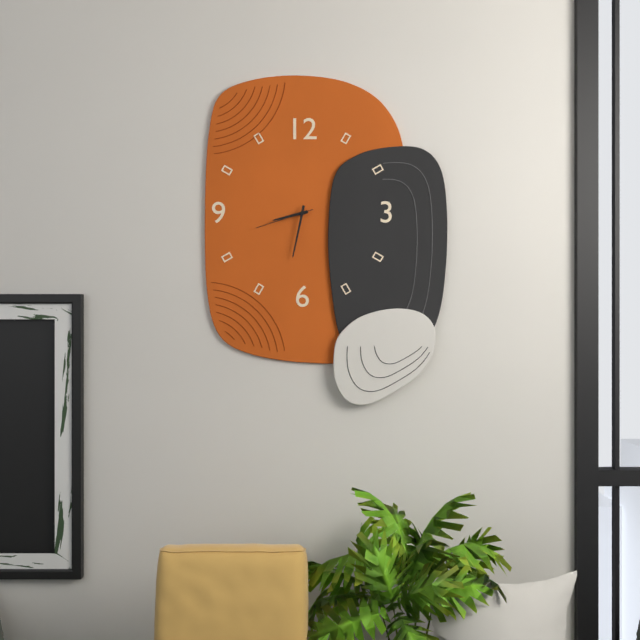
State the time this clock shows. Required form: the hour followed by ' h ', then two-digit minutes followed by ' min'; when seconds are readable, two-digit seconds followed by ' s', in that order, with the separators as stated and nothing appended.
8 h 32 min 42 s
